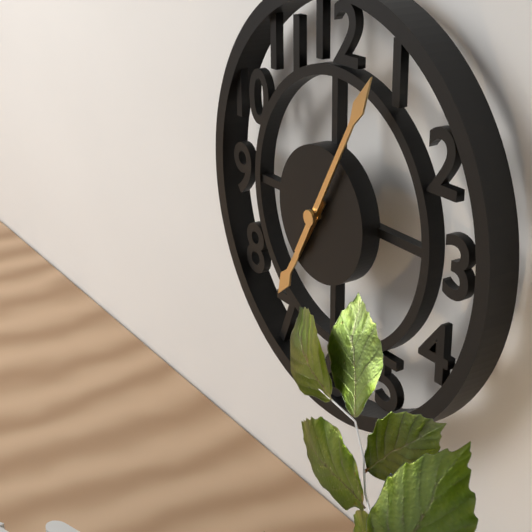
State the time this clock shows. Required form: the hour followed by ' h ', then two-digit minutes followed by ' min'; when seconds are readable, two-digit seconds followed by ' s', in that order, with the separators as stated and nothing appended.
7 h 05 min
